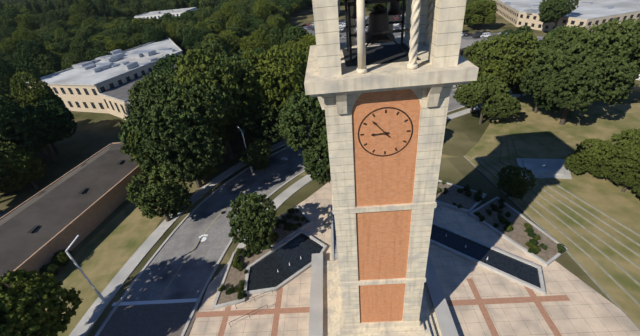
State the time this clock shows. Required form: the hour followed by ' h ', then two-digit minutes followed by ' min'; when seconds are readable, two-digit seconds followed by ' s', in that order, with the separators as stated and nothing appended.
8 h 53 min
